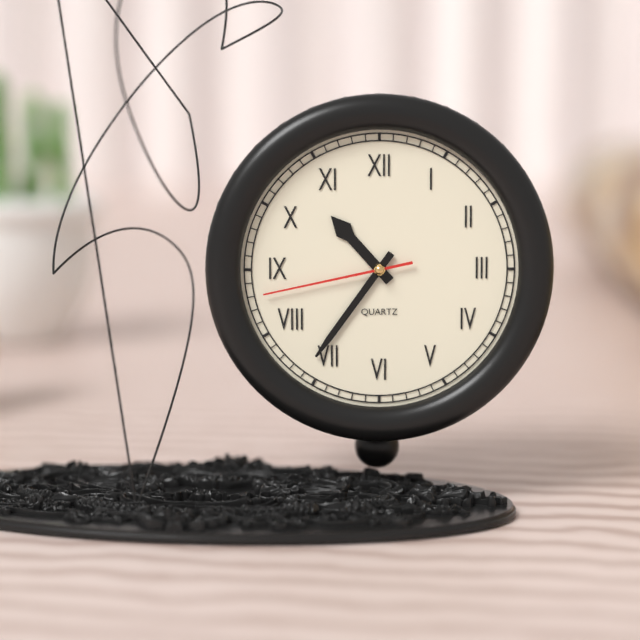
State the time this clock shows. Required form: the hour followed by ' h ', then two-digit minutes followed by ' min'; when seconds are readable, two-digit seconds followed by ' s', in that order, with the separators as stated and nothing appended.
10 h 36 min 43 s
